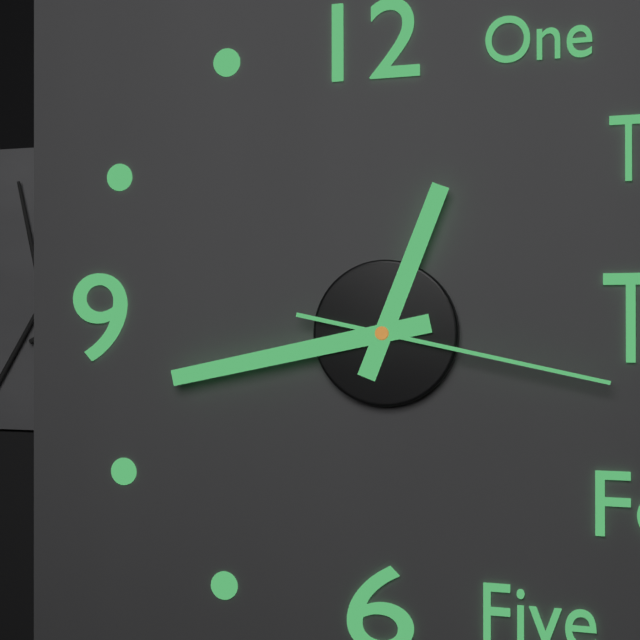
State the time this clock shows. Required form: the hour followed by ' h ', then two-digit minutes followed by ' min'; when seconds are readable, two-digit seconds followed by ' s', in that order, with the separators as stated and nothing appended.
12 h 43 min 17 s
